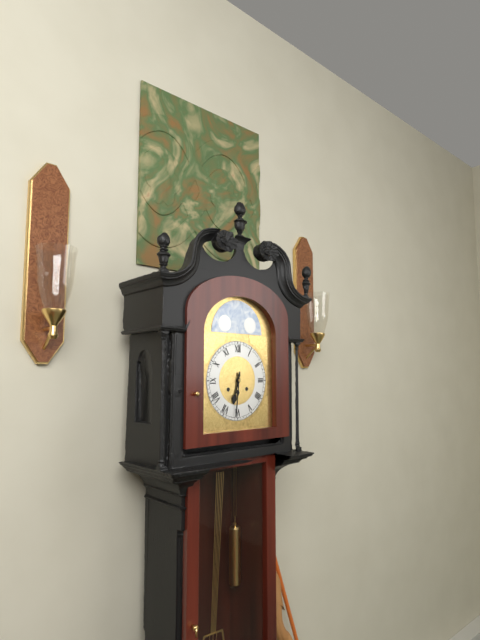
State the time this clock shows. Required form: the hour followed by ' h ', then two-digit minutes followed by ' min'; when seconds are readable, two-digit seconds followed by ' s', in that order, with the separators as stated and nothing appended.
6 h 31 min
